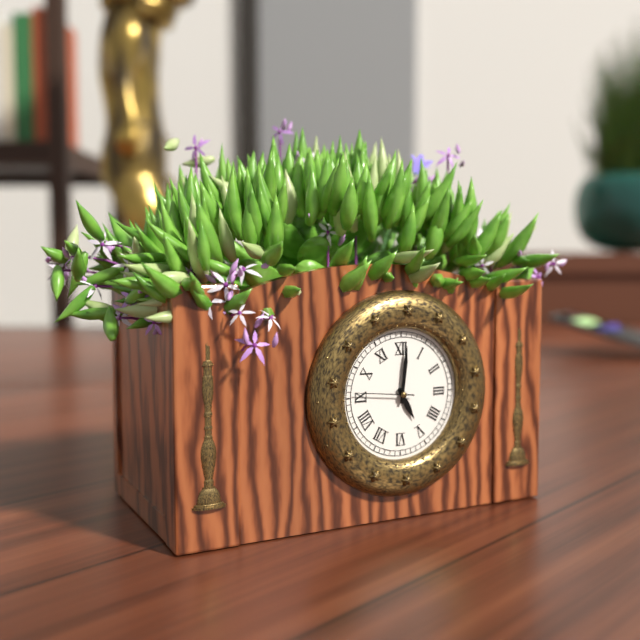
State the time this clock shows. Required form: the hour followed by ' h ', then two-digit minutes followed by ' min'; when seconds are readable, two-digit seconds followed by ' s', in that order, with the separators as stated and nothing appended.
5 h 01 min 46 s
